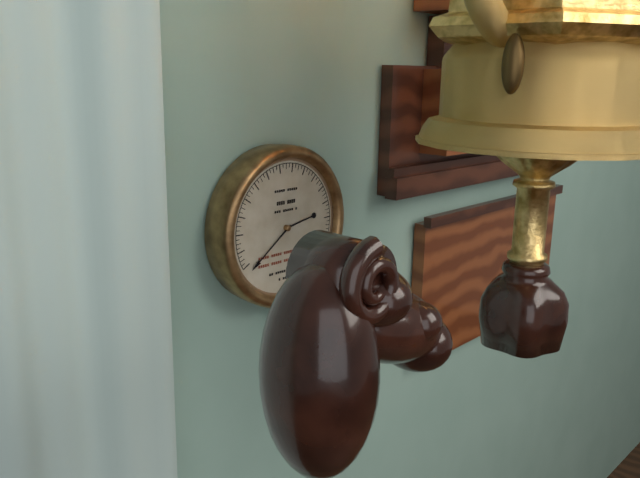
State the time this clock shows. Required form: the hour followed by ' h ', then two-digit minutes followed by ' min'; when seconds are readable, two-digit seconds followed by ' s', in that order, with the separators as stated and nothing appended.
2 h 39 min
